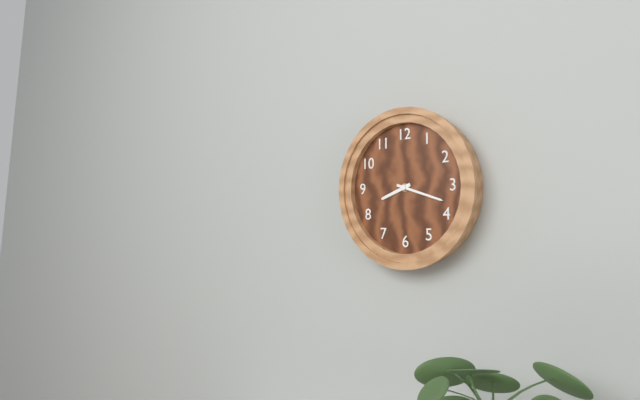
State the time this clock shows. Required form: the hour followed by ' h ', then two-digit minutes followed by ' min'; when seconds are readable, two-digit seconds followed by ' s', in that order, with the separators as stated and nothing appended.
8 h 18 min
